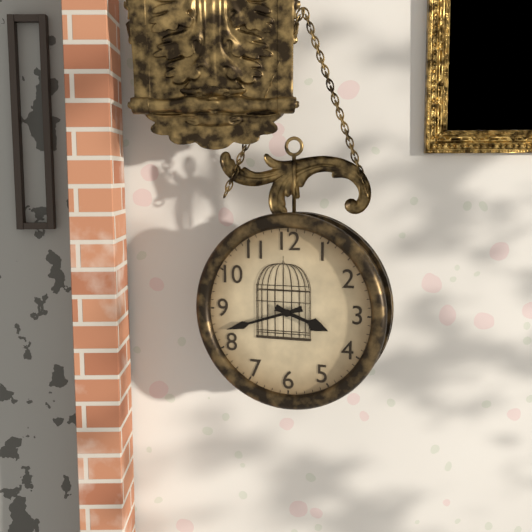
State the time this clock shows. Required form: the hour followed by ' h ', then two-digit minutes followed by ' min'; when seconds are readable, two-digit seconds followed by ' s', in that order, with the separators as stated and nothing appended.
3 h 42 min
